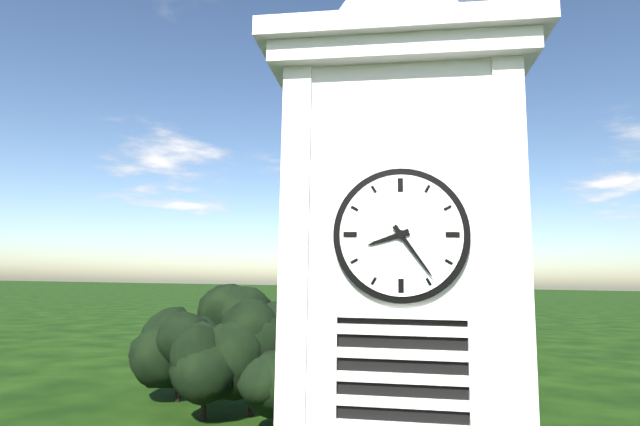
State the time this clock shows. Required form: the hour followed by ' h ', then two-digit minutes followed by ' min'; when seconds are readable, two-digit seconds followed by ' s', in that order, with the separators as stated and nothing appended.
8 h 24 min
